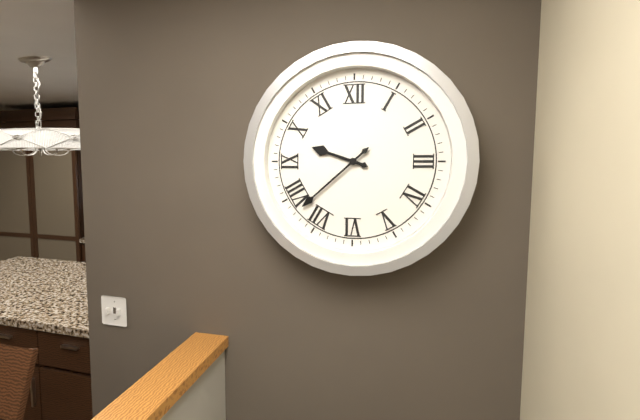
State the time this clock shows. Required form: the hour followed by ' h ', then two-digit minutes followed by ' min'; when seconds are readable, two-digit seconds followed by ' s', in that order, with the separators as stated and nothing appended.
9 h 38 min
